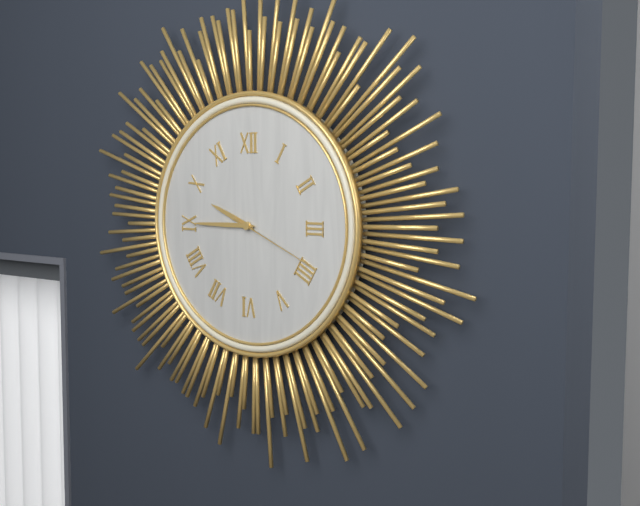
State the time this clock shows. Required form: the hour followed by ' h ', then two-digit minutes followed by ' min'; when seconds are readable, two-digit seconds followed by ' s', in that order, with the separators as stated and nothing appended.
9 h 45 min 19 s
